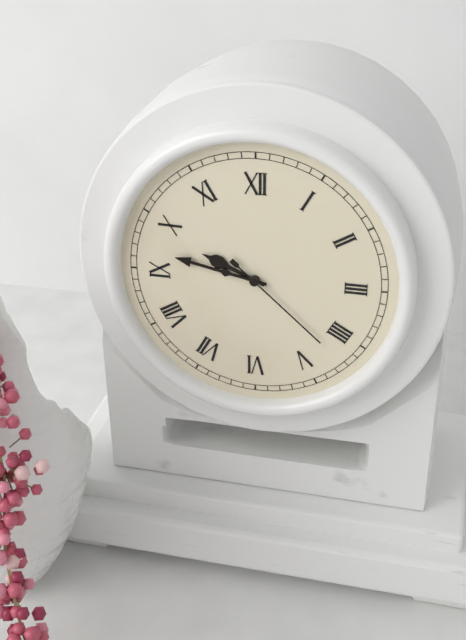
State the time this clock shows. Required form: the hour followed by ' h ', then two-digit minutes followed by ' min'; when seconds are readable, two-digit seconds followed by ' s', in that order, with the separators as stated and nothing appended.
9 h 47 min 22 s
